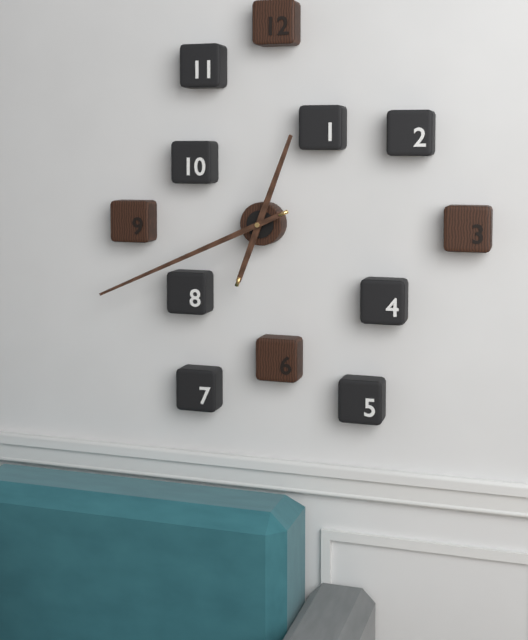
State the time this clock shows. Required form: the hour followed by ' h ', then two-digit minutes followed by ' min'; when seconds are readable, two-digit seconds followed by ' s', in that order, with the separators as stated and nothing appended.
12 h 41 min
